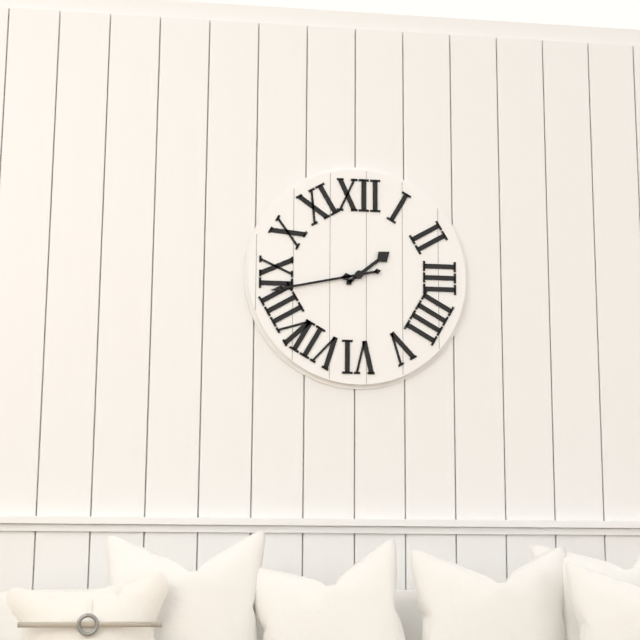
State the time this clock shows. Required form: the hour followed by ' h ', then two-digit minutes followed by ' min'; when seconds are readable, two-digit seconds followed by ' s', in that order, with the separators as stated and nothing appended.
1 h 43 min
